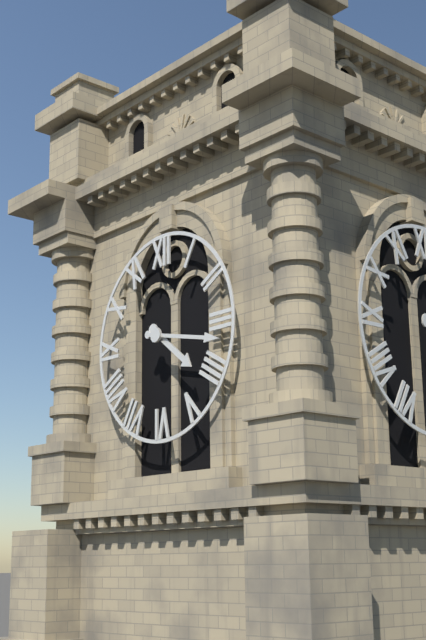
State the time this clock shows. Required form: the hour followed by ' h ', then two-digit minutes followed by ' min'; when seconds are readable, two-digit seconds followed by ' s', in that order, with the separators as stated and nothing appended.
4 h 17 min
